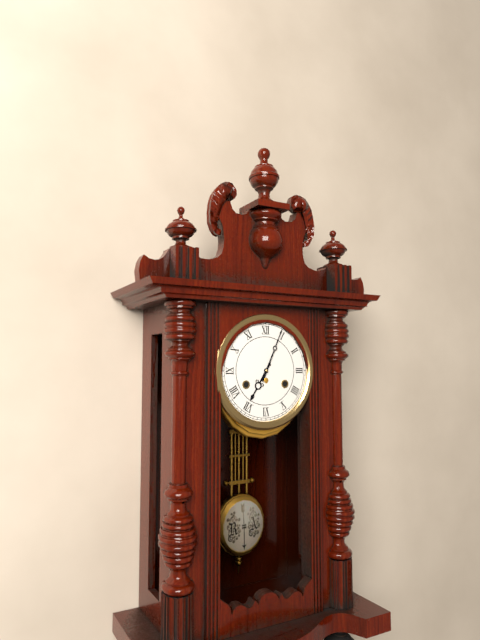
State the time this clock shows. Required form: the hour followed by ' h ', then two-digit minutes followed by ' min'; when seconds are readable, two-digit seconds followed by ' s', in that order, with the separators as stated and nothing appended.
7 h 04 min
